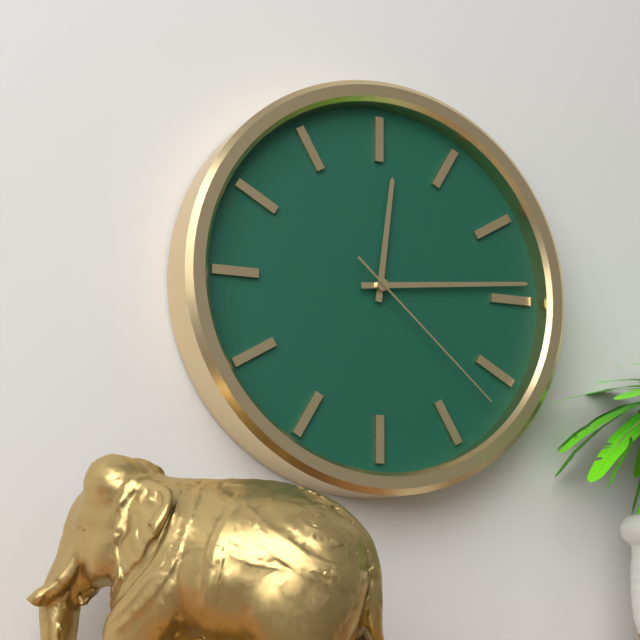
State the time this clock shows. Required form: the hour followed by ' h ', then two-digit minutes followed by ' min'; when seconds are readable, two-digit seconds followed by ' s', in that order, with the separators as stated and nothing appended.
12 h 14 min 22 s
